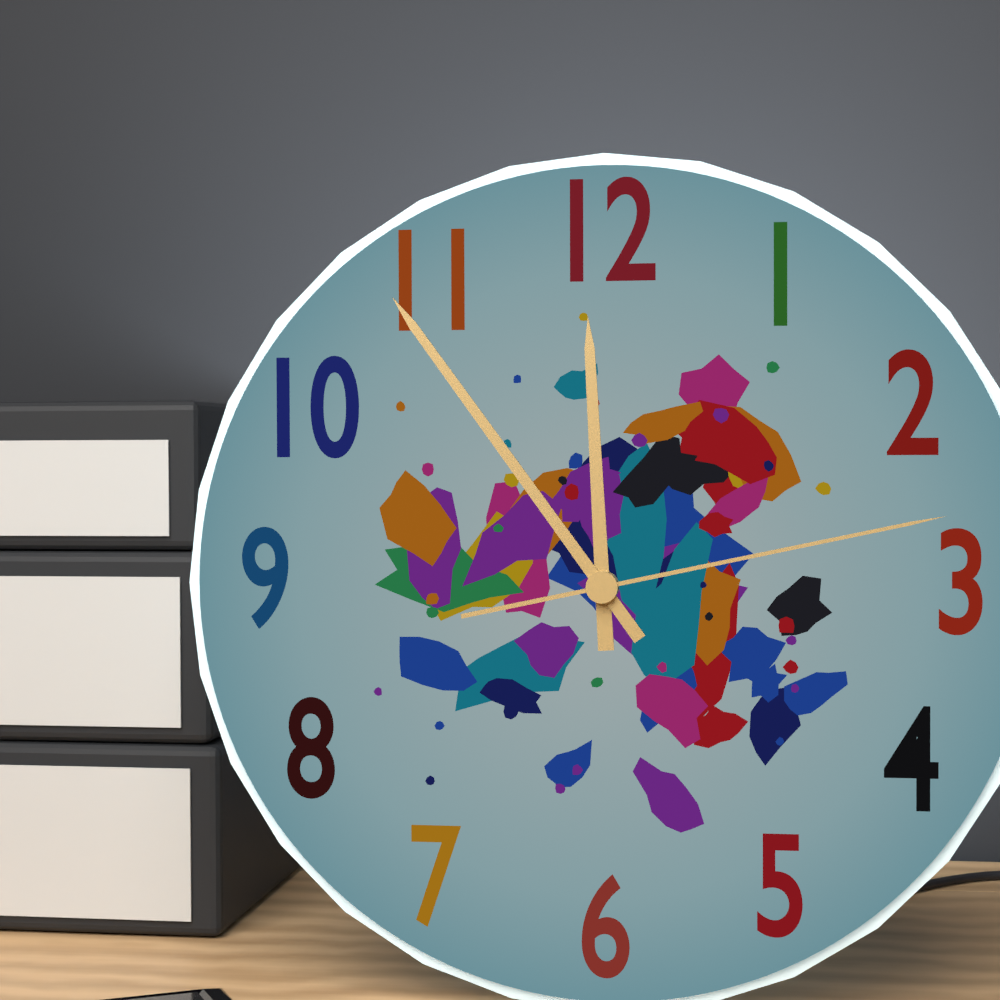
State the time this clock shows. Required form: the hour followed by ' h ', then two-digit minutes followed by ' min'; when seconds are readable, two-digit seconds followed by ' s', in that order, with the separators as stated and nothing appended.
11 h 54 min 13 s
